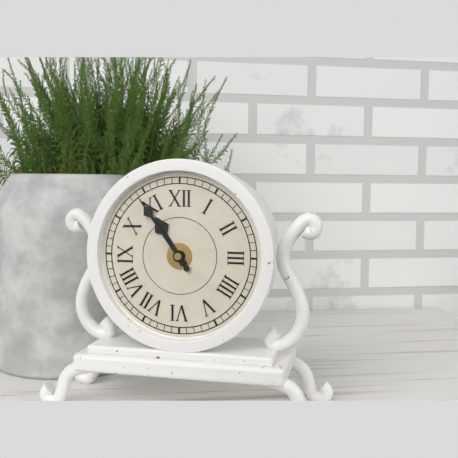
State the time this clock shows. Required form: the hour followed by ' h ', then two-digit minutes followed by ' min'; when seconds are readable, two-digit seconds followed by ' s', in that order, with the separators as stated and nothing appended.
10 h 54 min
